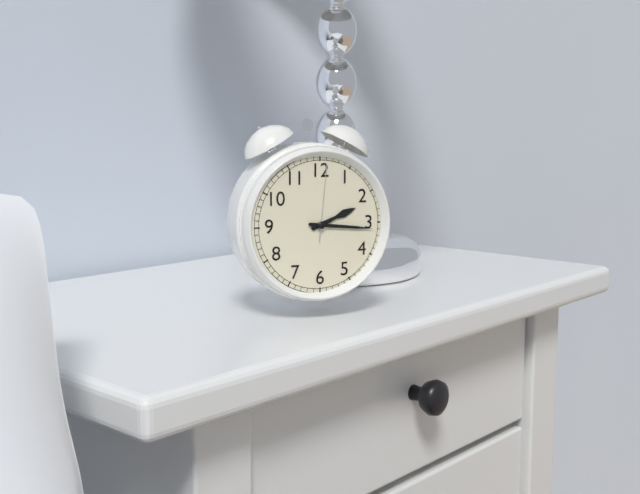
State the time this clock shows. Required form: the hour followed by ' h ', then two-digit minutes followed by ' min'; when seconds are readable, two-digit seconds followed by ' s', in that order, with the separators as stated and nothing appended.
2 h 16 min 01 s
